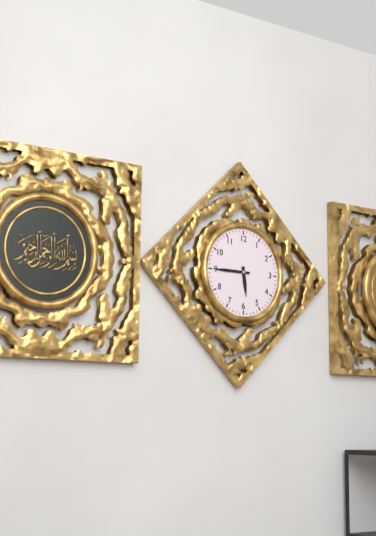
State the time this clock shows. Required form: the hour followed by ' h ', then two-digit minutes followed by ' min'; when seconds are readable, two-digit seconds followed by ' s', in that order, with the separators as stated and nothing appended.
5 h 45 min
